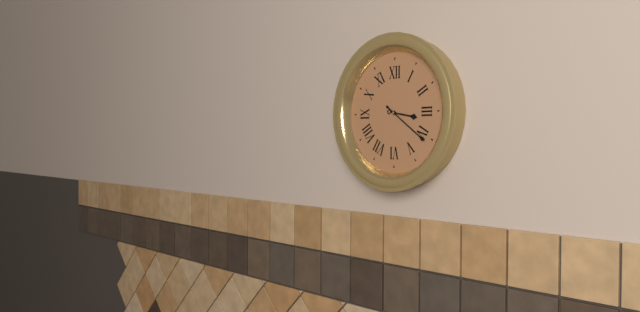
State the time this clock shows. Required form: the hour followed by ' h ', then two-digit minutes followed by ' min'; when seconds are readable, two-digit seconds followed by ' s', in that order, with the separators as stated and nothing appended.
3 h 21 min
